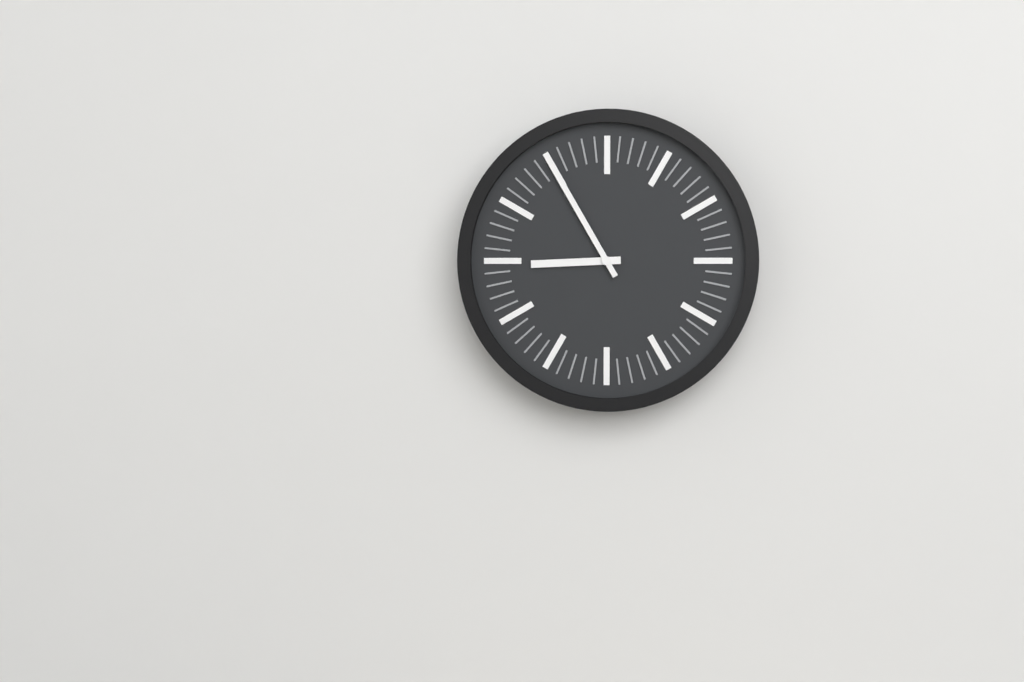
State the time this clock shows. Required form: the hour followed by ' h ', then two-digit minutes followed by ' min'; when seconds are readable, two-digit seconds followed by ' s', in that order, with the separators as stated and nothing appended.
8 h 55 min
